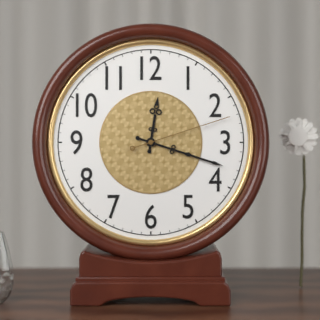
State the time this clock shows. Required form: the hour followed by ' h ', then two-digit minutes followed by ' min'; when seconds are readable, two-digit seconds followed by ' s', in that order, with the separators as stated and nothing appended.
12 h 18 min 12 s
